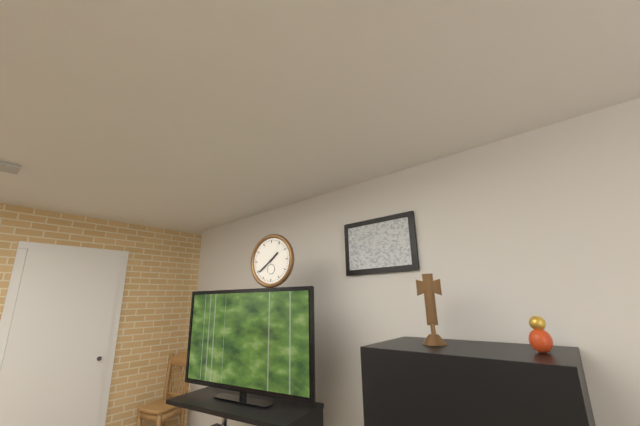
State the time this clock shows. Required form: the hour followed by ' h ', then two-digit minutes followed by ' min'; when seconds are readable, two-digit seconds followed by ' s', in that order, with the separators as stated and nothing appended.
1 h 39 min
